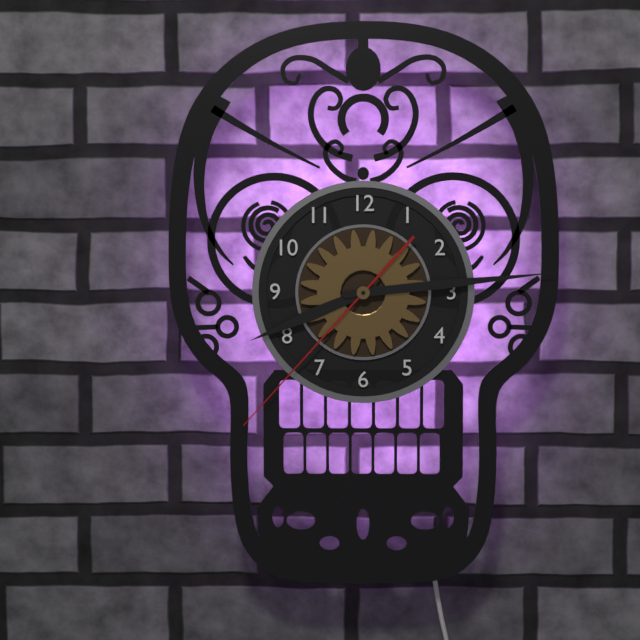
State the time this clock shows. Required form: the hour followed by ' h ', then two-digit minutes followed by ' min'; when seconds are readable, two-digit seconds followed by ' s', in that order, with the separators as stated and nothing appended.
8 h 14 min 37 s
